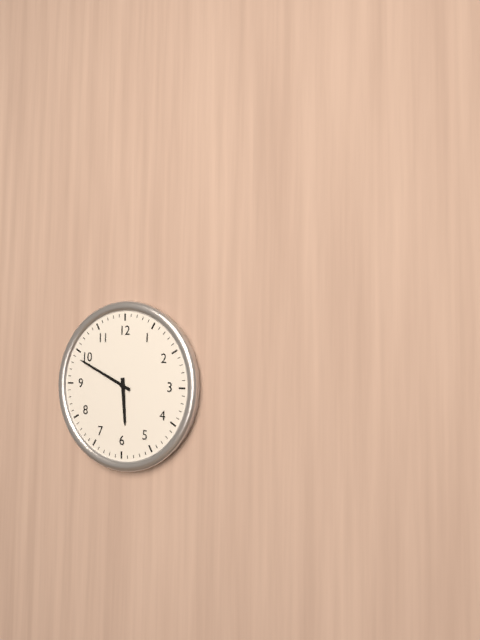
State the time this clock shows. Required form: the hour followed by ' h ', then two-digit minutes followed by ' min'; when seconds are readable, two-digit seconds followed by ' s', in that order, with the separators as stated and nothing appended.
5 h 49 min
